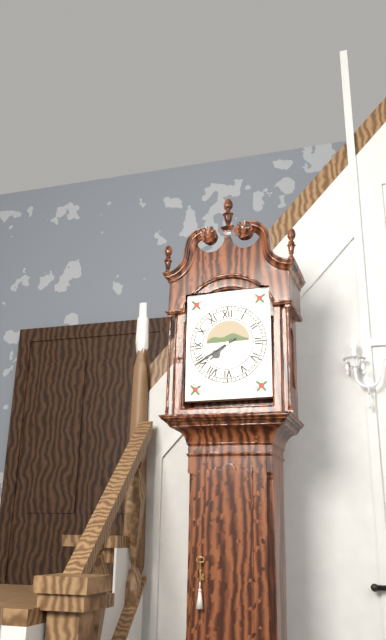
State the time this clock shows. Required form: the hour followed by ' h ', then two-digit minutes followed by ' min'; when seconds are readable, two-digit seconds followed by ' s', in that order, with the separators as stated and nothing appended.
7 h 40 min
